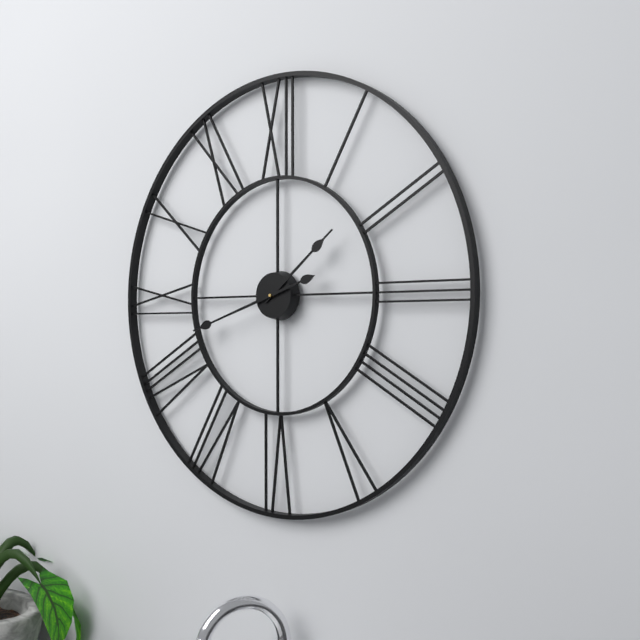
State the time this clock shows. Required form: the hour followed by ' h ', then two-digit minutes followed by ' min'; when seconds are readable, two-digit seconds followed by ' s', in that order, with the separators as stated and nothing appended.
1 h 42 min
